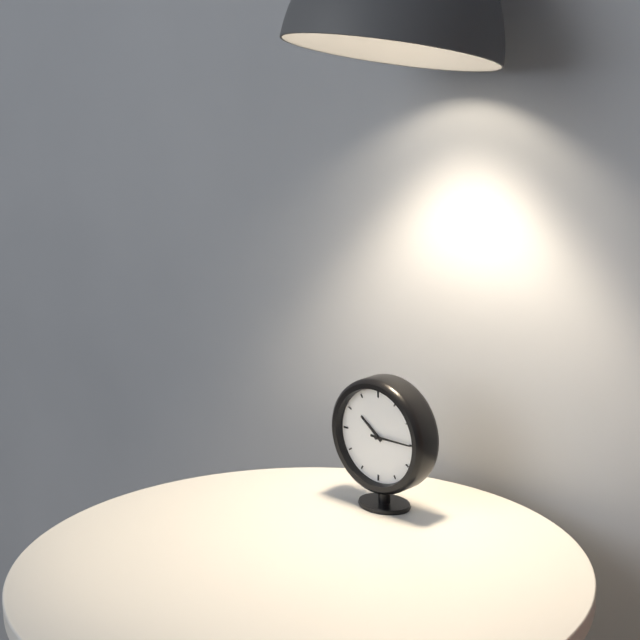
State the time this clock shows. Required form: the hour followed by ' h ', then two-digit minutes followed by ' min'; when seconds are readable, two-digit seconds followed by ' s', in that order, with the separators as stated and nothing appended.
10 h 15 min
